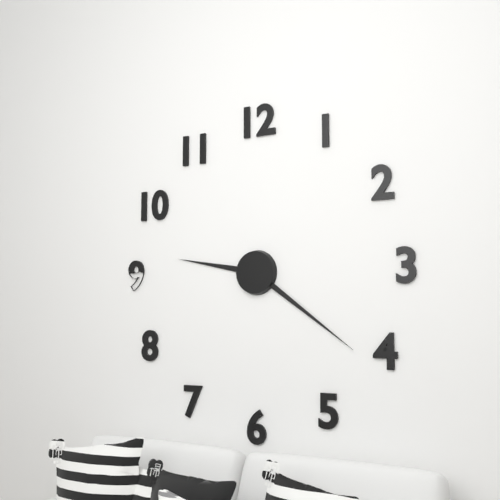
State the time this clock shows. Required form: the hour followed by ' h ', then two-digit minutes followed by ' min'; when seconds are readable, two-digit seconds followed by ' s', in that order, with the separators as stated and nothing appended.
9 h 21 min
